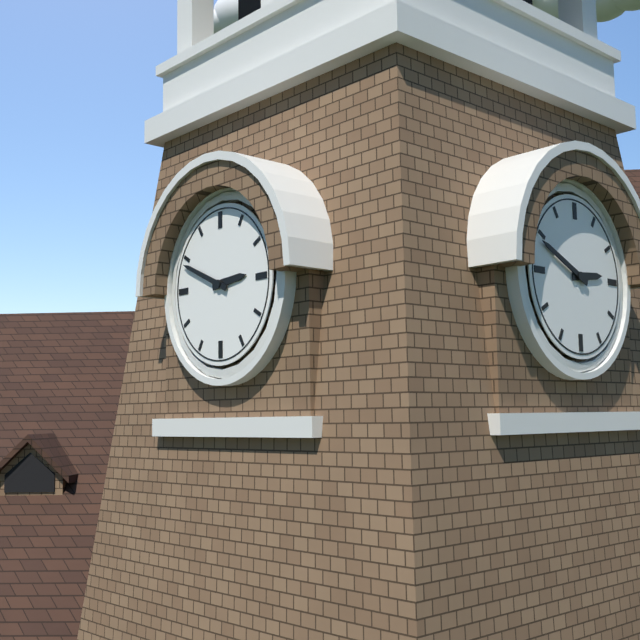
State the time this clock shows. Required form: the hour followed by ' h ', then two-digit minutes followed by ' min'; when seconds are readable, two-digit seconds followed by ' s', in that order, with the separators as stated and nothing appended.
2 h 49 min
